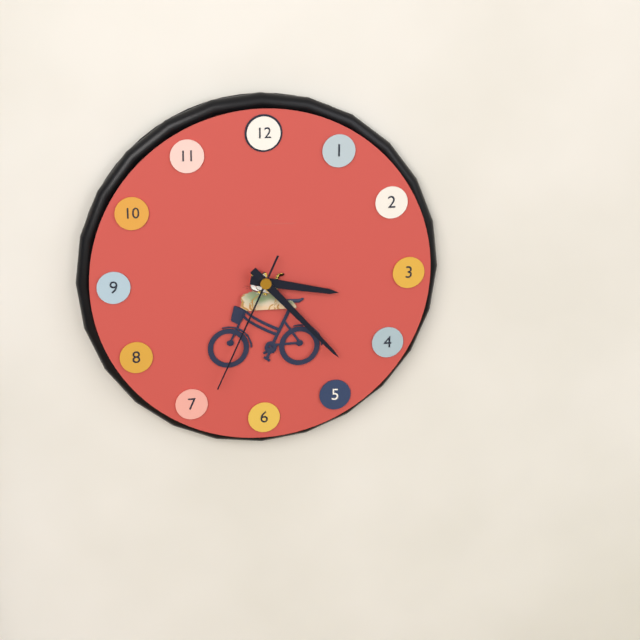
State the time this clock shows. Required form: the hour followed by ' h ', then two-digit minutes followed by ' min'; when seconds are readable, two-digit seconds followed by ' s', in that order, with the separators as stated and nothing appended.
3 h 23 min 34 s
